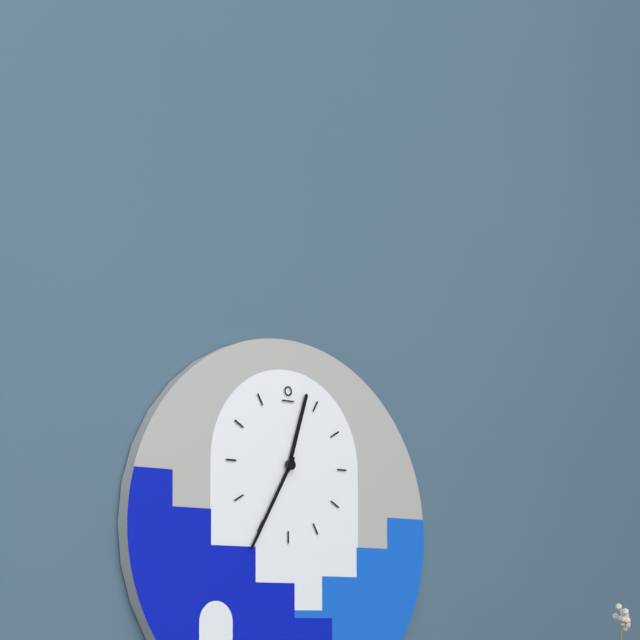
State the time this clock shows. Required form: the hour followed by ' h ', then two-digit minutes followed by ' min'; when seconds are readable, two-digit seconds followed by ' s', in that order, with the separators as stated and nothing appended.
12 h 35 min
